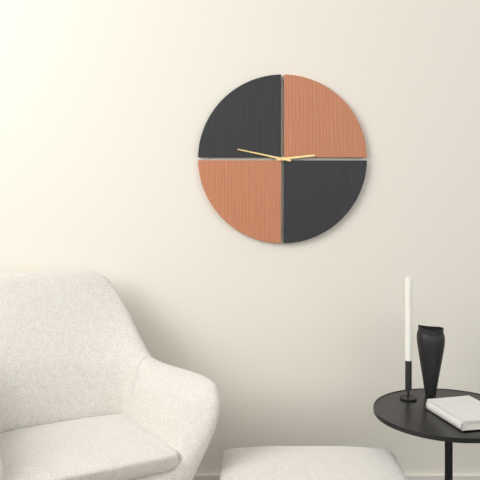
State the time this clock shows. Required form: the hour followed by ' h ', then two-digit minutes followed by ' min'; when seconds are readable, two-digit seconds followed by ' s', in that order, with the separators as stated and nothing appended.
2 h 47 min
